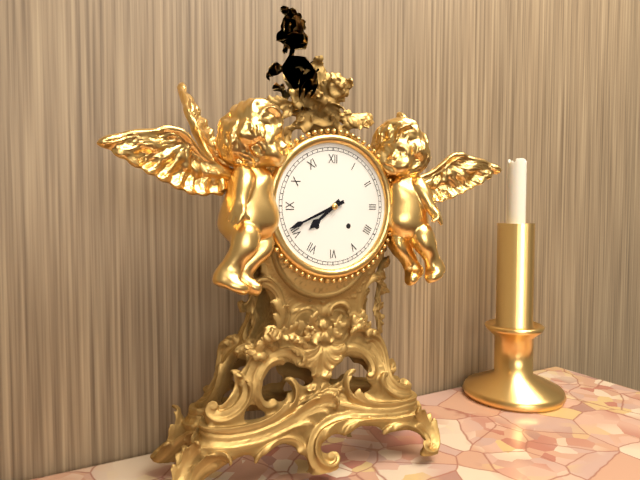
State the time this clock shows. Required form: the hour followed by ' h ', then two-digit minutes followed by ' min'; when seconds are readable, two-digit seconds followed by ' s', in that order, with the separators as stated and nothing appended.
7 h 41 min
